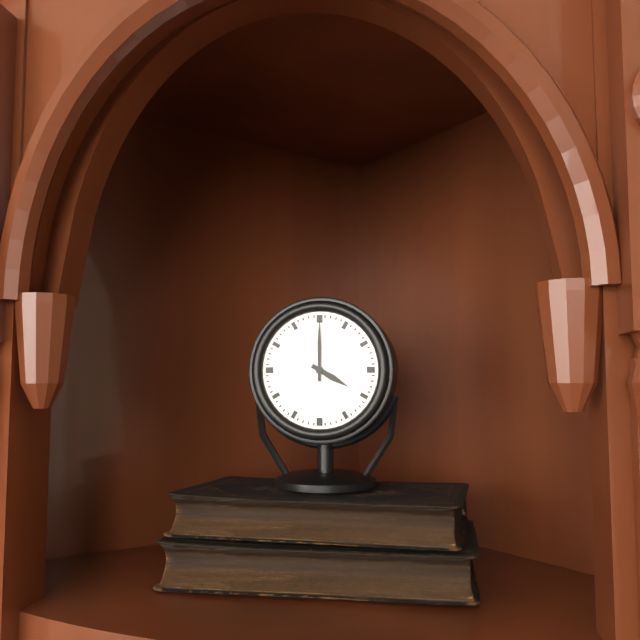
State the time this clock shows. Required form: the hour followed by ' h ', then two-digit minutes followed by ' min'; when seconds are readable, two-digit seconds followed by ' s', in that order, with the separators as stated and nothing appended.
4 h 00 min
